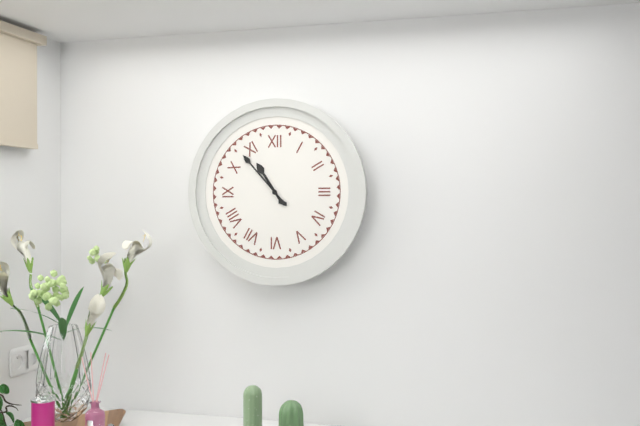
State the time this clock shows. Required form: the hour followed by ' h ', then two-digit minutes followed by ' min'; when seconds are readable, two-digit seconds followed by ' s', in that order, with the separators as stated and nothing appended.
10 h 53 min
